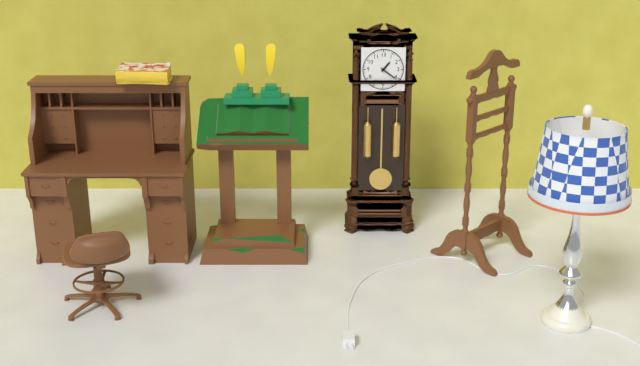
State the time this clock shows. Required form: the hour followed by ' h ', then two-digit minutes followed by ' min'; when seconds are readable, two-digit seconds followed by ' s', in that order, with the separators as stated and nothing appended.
1 h 21 min
